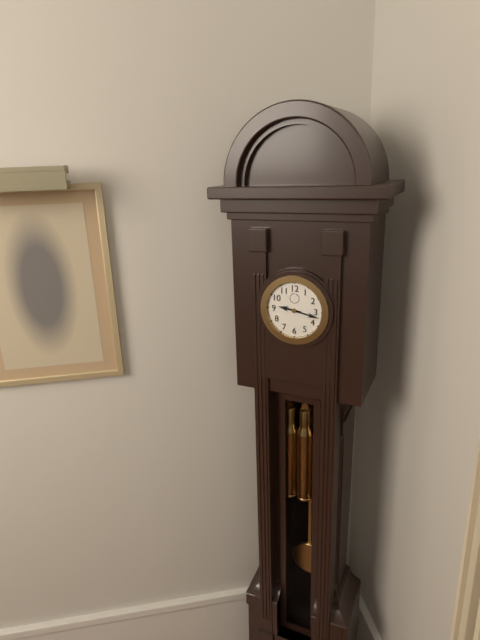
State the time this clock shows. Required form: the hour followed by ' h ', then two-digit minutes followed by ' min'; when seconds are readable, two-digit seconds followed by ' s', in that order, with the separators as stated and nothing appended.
9 h 17 min
